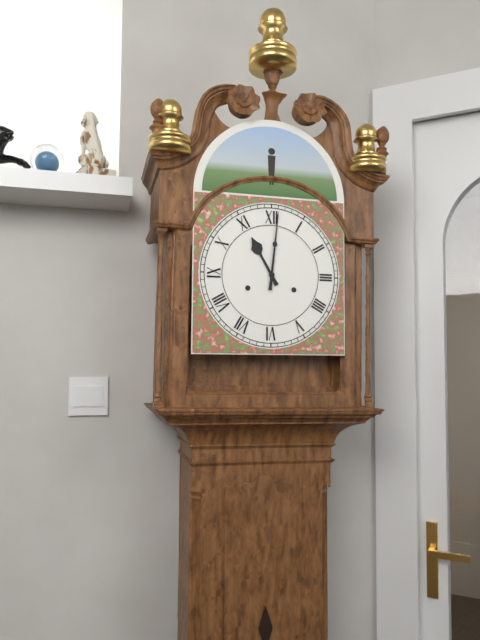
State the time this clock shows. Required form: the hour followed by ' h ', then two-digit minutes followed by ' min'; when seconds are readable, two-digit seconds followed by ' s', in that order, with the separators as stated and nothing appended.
11 h 01 min
